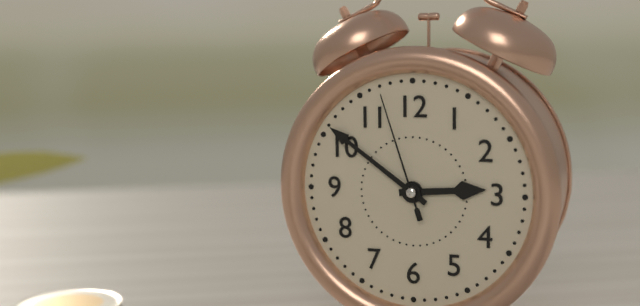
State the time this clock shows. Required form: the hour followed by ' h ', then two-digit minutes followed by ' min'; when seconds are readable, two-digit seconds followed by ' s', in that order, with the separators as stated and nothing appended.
2 h 51 min 57 s
